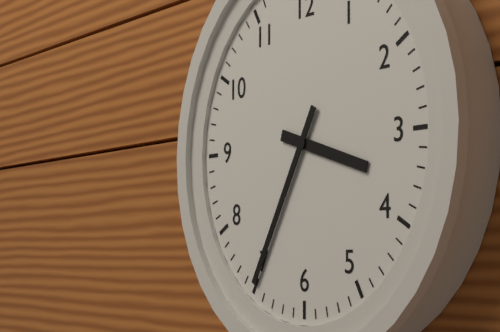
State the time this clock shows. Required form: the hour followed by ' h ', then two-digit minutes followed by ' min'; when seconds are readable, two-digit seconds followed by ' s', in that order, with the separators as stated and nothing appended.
3 h 35 min
